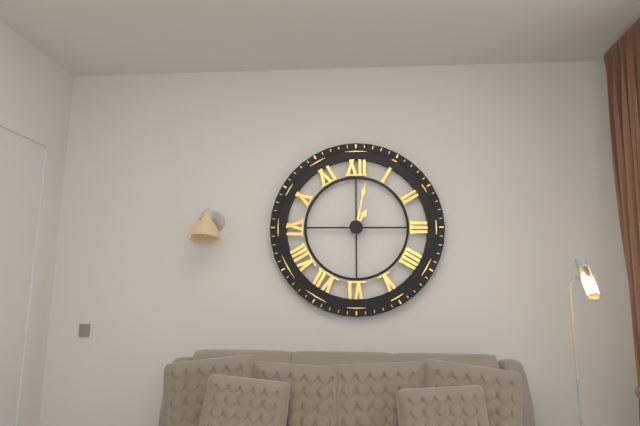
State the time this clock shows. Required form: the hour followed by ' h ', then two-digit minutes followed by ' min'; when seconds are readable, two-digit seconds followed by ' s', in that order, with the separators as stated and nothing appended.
1 h 02 min
